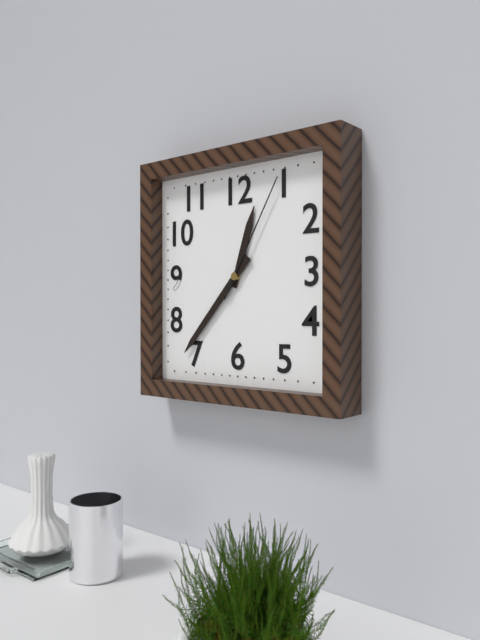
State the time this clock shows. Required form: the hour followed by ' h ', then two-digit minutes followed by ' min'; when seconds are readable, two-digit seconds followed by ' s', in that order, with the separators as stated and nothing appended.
12 h 37 min 05 s
